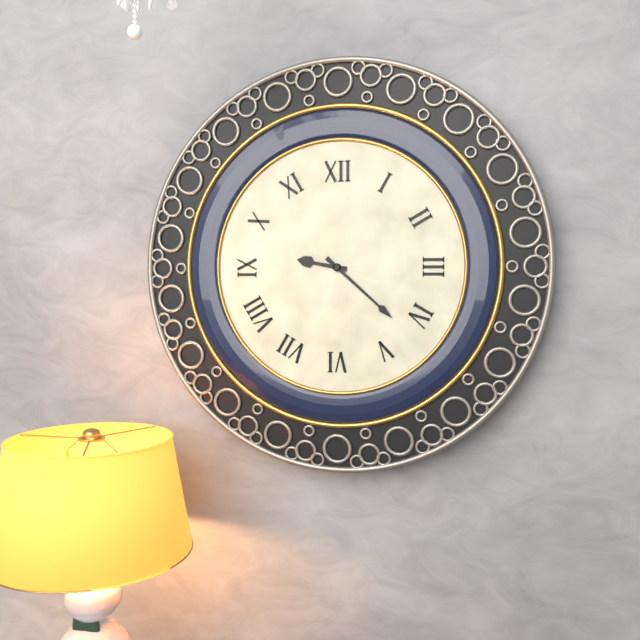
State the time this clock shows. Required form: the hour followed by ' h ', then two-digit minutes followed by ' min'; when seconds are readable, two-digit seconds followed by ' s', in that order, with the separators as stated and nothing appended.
9 h 22 min
